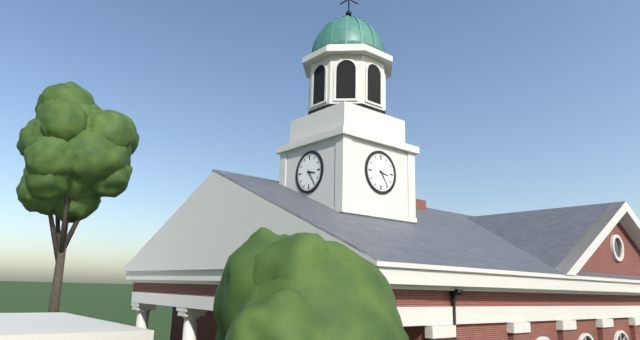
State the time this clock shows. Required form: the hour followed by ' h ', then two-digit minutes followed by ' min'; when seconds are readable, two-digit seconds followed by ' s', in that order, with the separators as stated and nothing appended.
3 h 24 min
